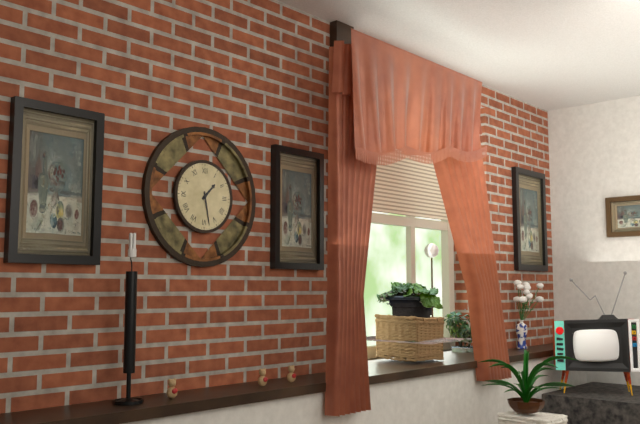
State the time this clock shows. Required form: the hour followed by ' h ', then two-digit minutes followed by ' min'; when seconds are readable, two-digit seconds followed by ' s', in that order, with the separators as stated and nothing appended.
1 h 28 min
